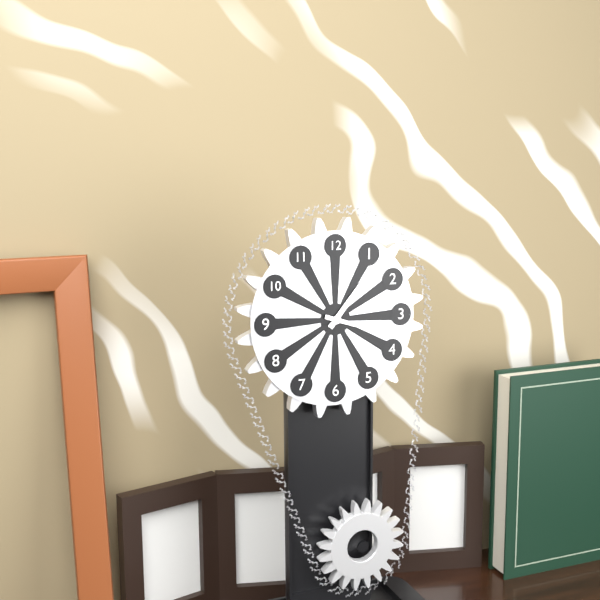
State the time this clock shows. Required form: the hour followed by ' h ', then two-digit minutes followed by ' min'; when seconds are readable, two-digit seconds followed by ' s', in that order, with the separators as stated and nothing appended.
1 h 18 min
